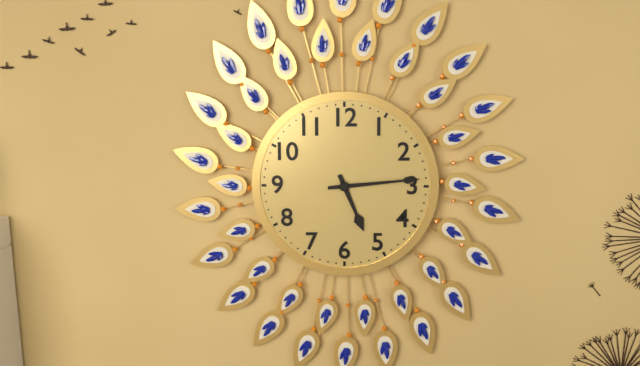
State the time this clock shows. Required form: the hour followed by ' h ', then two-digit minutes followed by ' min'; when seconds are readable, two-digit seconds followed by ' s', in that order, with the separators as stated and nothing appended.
5 h 14 min
